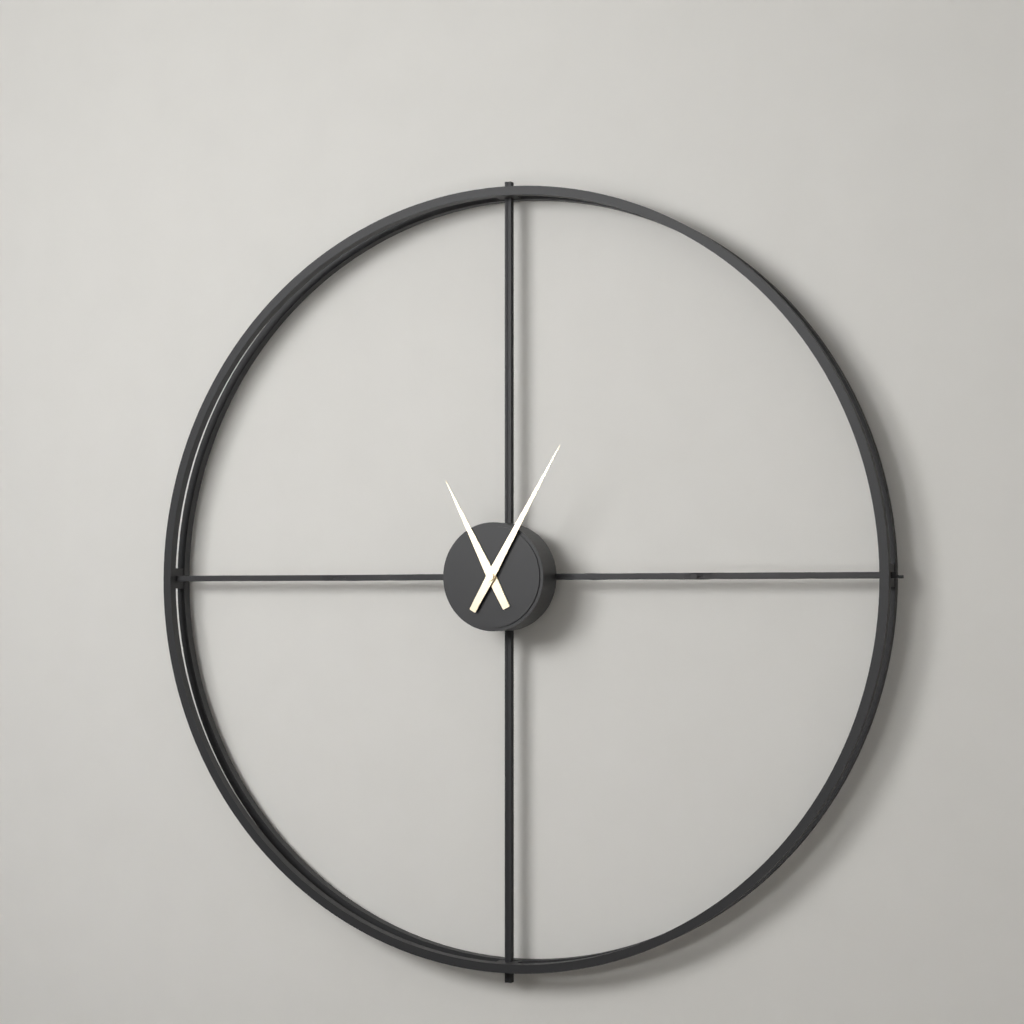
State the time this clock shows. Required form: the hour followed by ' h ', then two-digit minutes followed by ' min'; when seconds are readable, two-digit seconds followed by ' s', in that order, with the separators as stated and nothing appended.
11 h 05 min
